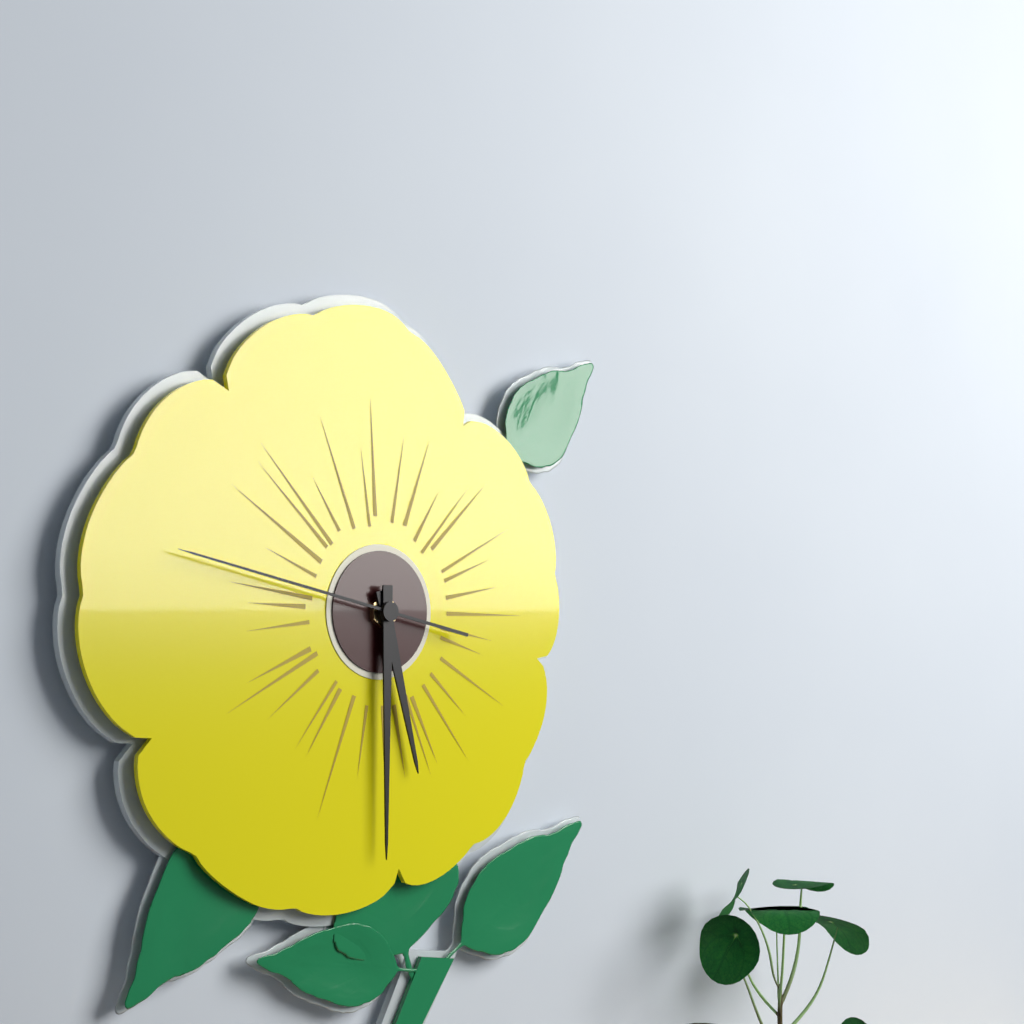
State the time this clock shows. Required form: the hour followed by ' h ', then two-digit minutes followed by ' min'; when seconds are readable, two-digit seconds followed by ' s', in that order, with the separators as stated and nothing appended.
5 h 30 min 47 s
